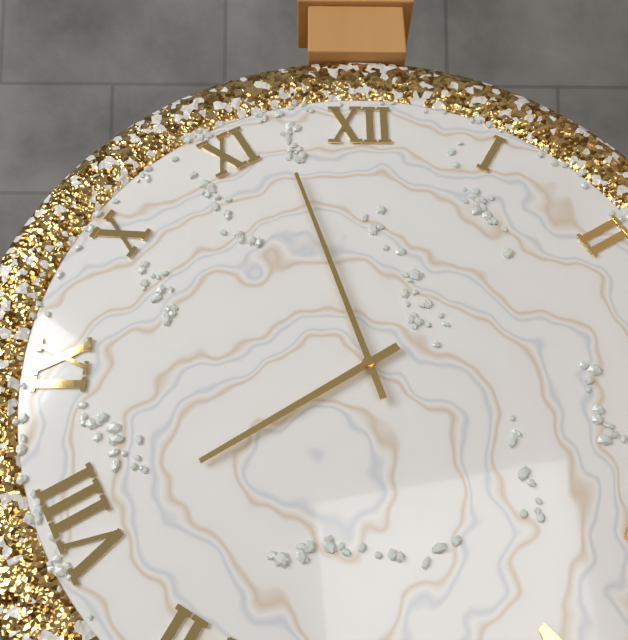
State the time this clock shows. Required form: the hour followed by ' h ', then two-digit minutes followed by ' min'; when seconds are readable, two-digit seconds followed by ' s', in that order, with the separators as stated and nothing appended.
7 h 57 min
